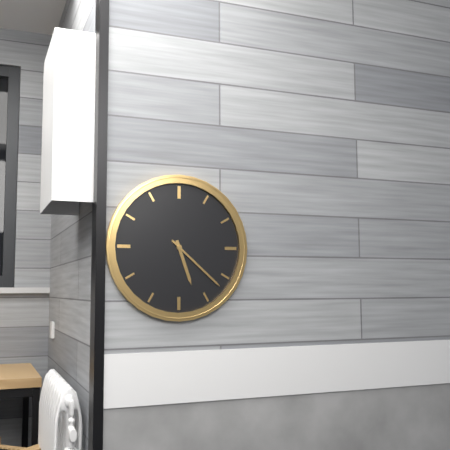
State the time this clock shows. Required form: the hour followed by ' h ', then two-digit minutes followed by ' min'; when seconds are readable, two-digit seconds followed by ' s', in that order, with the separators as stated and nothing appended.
5 h 22 min
